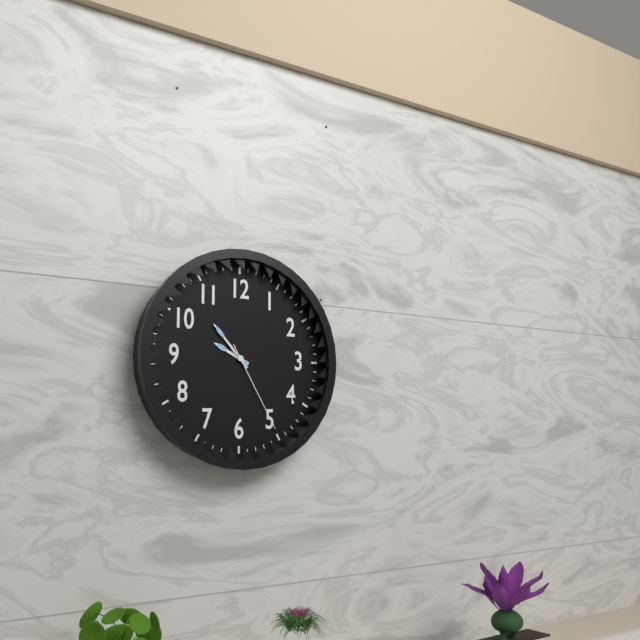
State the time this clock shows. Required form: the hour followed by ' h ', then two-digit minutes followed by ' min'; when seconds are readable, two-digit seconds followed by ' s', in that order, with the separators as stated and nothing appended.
9 h 53 min 25 s
